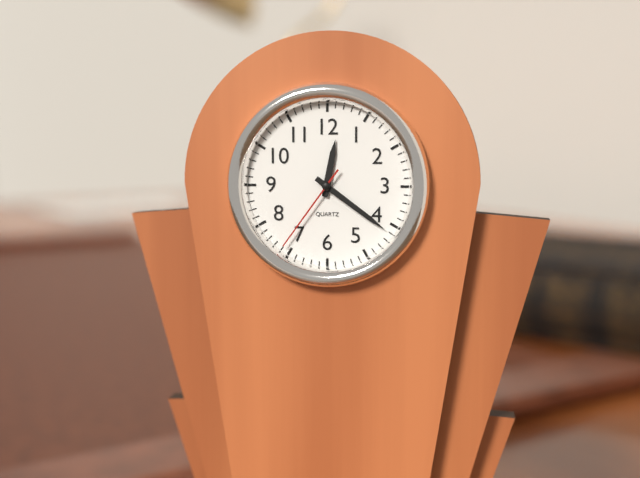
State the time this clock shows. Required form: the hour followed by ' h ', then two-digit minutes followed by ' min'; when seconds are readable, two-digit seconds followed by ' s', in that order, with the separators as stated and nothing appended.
12 h 21 min 36 s
